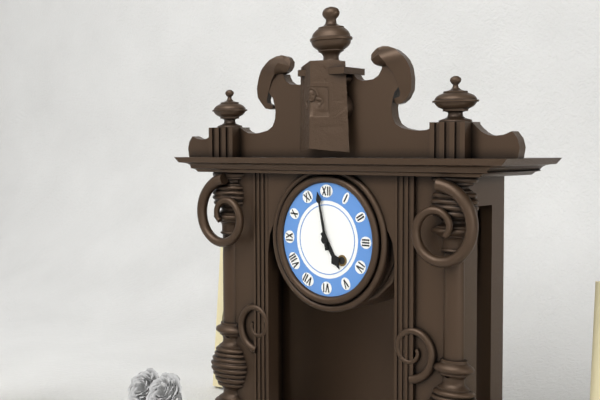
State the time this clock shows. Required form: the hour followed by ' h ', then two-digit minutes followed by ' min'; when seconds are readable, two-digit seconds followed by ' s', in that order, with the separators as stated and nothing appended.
4 h 58 min
